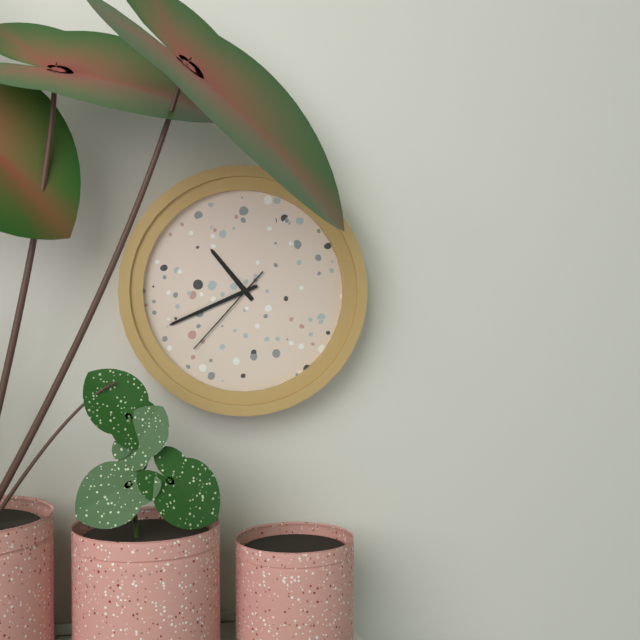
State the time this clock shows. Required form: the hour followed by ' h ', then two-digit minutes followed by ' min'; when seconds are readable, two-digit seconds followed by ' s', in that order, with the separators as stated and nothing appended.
10 h 41 min 37 s
